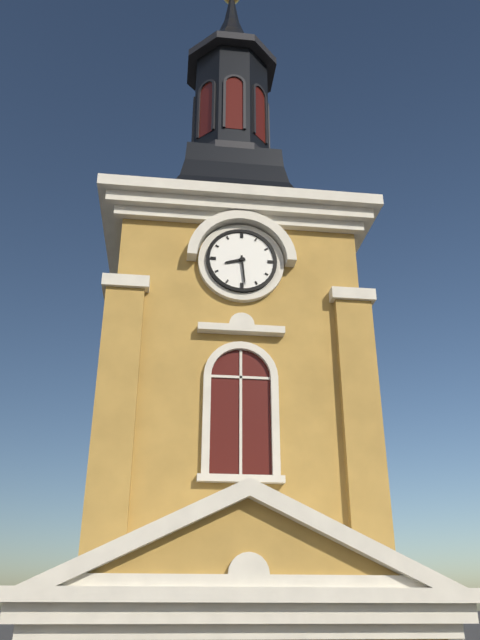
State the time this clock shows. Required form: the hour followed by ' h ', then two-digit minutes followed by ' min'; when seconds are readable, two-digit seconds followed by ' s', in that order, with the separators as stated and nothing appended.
8 h 29 min
